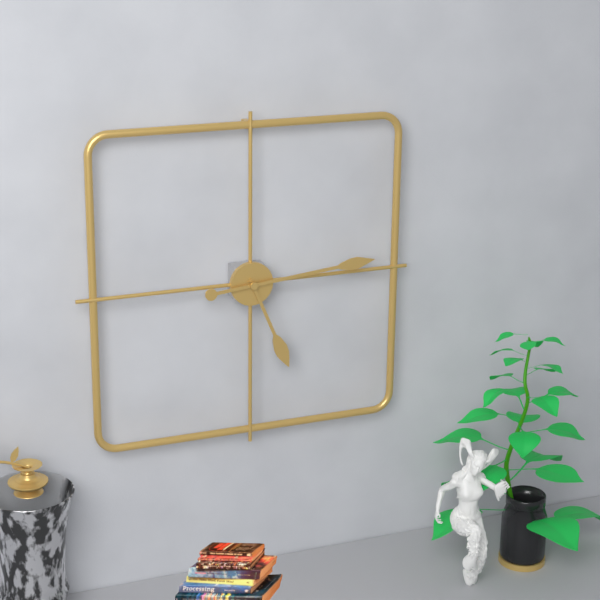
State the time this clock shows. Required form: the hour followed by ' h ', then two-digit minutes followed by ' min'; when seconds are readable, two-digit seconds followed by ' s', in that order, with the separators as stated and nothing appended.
5 h 14 min
